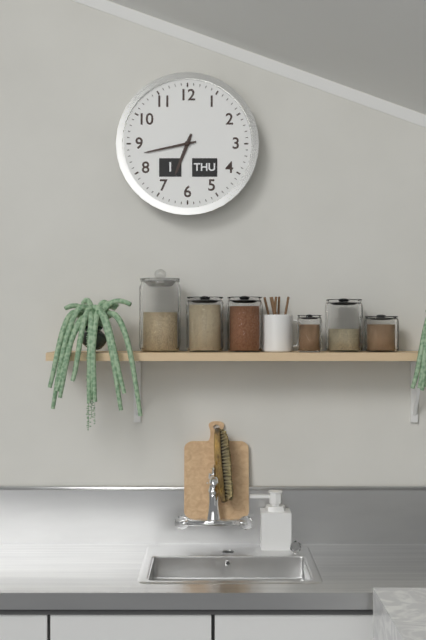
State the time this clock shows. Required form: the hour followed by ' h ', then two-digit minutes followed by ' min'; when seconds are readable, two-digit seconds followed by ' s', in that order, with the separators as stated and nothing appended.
6 h 43 min
